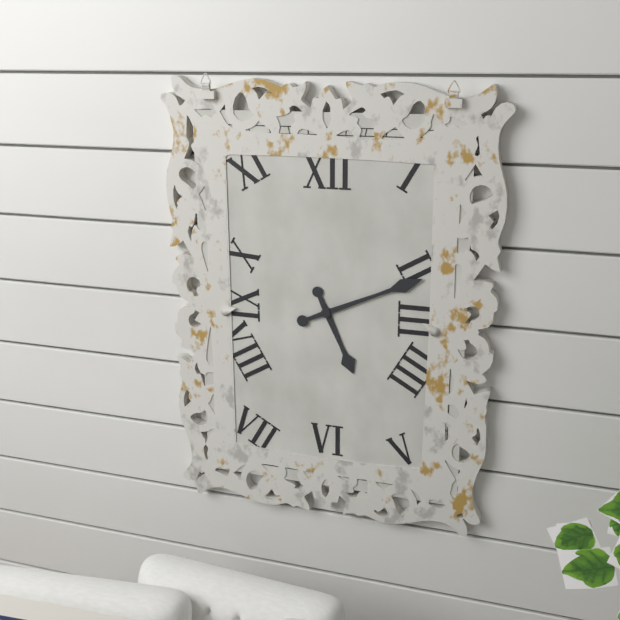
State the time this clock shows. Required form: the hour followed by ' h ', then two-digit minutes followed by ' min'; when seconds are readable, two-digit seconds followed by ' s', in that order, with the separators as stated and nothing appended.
5 h 11 min
